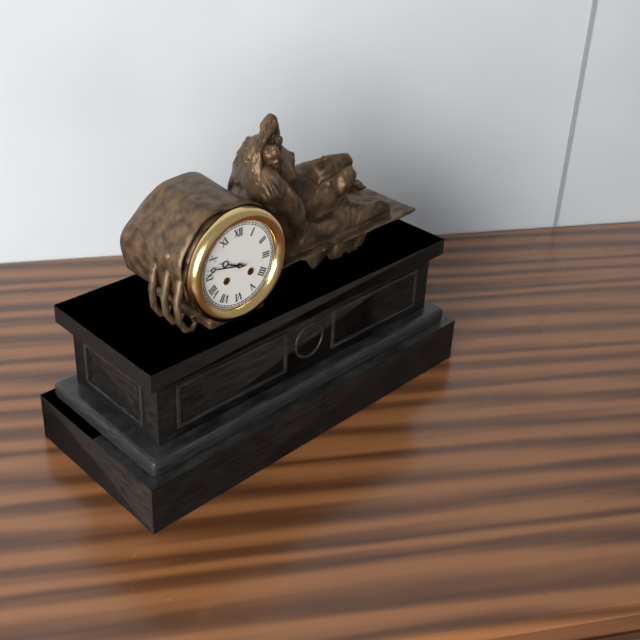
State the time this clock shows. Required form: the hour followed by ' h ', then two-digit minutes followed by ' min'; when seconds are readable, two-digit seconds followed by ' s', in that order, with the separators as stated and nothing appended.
9 h 47 min
